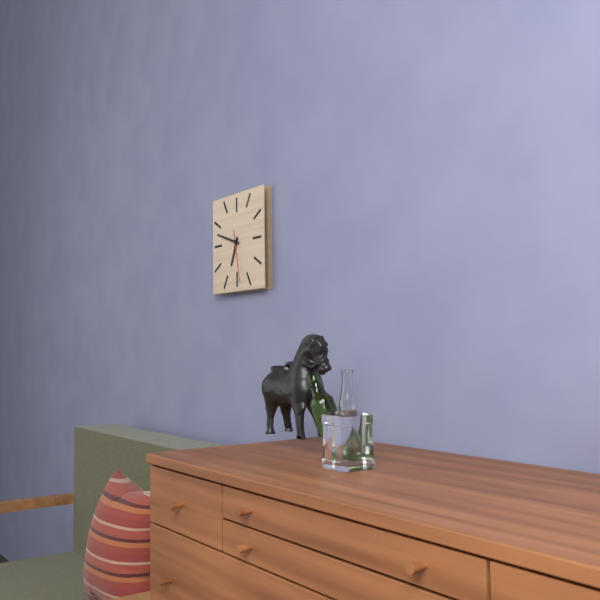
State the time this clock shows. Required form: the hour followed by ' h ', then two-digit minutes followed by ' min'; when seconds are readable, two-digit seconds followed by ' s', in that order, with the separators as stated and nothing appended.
6 h 48 min 28 s
